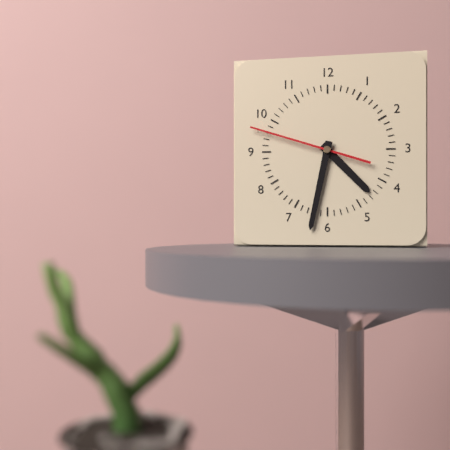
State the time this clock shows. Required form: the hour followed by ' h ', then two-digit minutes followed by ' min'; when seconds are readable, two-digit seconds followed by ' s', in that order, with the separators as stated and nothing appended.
4 h 32 min 48 s
